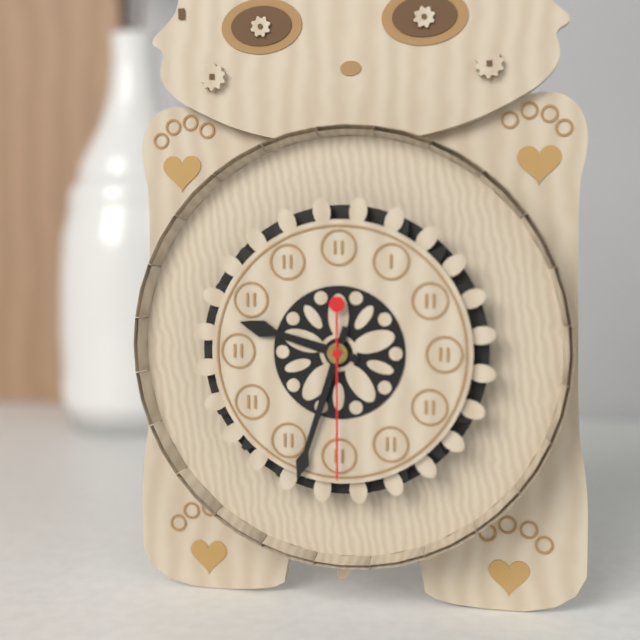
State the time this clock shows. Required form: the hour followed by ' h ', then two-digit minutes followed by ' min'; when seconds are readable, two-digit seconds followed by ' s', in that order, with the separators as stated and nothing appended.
9 h 33 min 30 s
